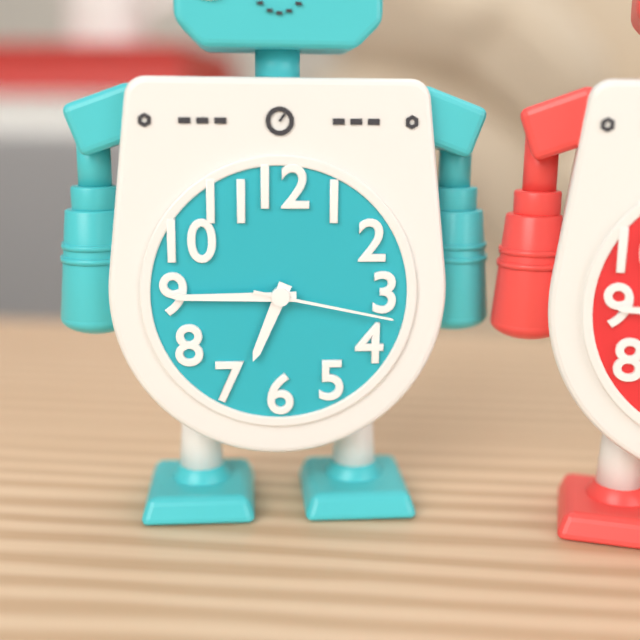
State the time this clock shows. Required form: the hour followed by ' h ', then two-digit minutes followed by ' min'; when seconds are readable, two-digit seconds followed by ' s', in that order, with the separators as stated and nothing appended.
6 h 45 min 17 s
